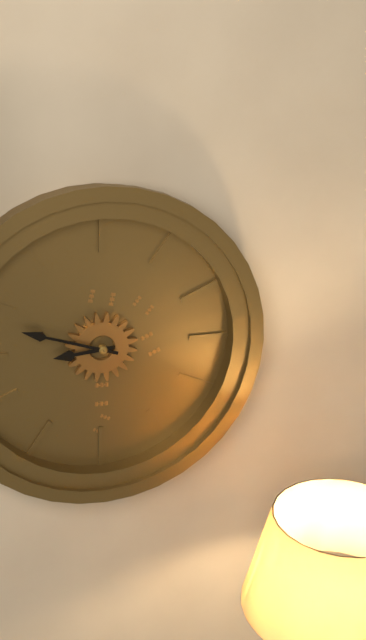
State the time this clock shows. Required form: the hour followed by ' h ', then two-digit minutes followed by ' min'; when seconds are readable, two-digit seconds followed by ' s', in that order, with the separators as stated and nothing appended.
8 h 48 min
